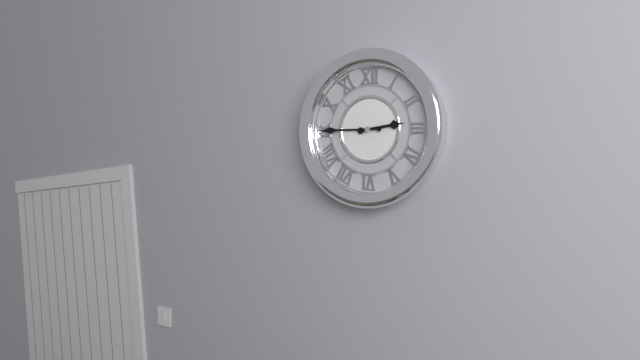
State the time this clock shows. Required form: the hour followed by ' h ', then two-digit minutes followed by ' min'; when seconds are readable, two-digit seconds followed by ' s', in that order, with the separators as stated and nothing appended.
2 h 45 min
